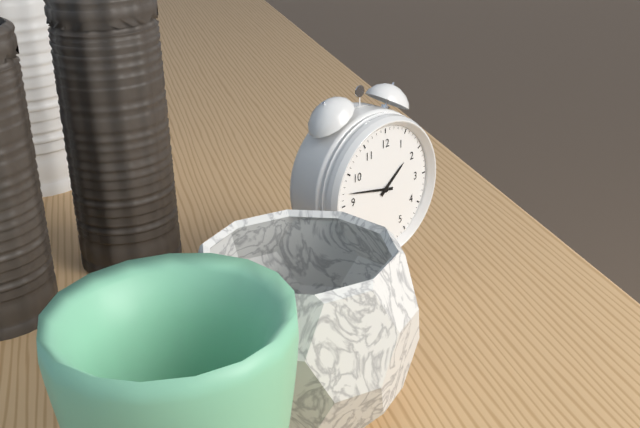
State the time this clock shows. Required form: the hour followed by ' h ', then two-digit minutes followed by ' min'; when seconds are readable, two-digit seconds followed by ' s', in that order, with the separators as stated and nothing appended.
1 h 47 min
